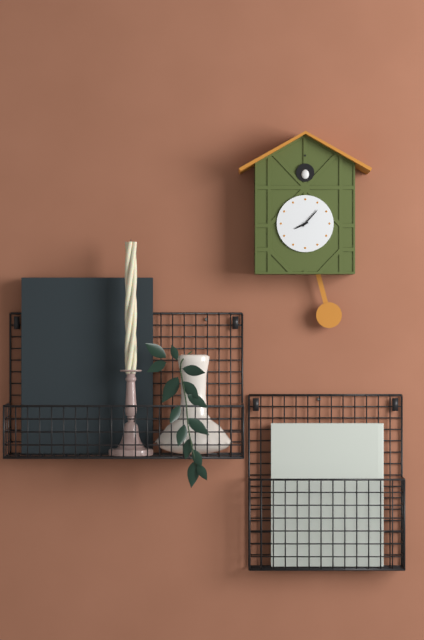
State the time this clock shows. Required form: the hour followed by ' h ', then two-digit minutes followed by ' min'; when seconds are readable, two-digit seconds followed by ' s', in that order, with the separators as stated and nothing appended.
8 h 07 min
